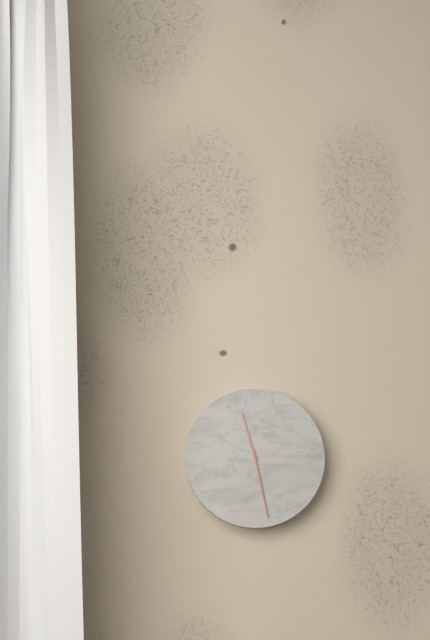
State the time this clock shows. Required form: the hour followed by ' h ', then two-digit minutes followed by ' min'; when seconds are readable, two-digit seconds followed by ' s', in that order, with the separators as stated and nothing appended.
11 h 28 min
